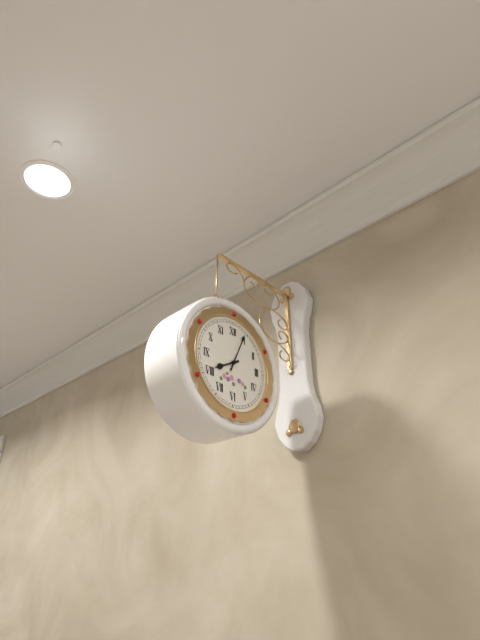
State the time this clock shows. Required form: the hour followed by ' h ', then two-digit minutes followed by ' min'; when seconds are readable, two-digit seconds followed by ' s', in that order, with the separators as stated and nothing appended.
8 h 04 min
